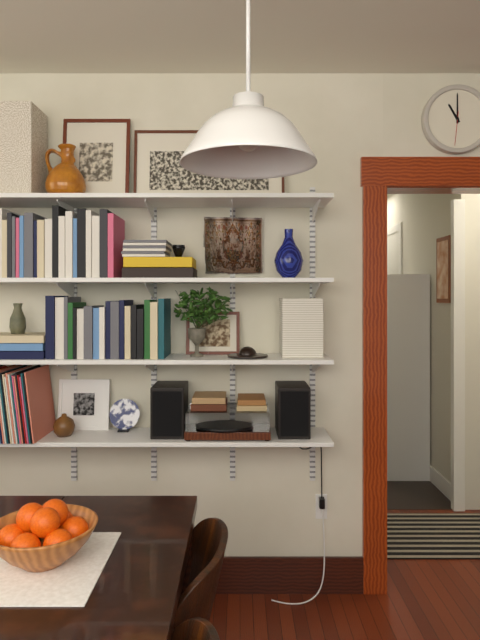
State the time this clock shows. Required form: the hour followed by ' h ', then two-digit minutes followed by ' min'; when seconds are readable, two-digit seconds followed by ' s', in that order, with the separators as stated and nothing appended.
11 h 00 min
